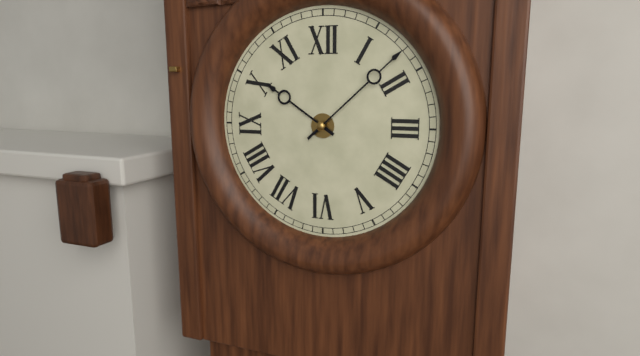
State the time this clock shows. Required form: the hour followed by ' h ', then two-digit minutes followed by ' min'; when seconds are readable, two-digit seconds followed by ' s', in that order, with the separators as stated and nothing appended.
10 h 08 min
